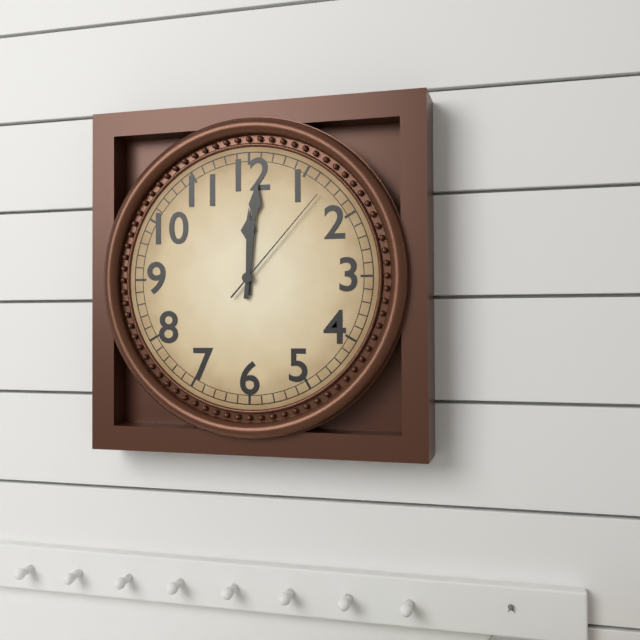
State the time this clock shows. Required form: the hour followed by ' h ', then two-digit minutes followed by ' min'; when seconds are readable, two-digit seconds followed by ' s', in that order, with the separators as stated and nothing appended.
12 h 01 min 07 s
